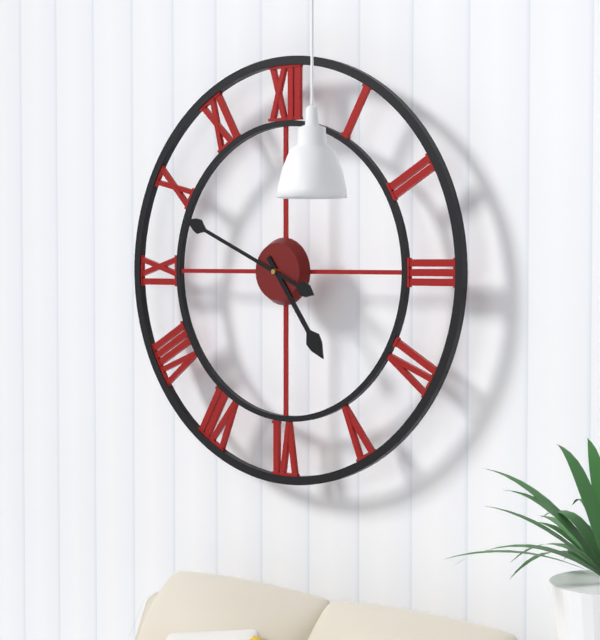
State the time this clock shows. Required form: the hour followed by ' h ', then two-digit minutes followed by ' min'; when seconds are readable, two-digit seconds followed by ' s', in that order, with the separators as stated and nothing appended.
4 h 49 min
